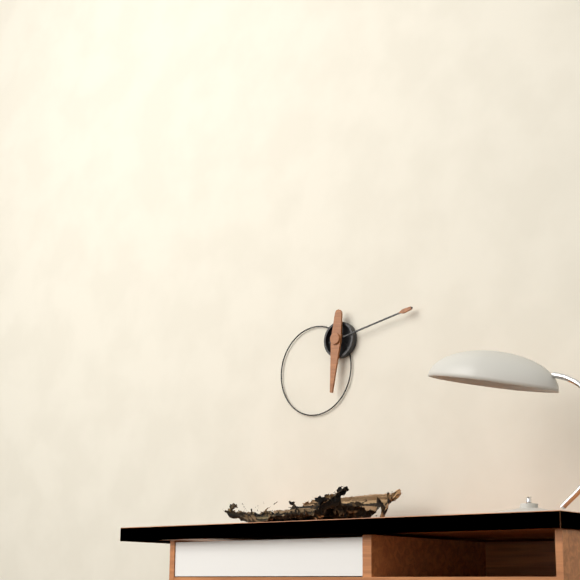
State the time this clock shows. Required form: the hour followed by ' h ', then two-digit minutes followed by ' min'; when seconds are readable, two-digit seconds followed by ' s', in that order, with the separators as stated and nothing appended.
6 h 13 min
